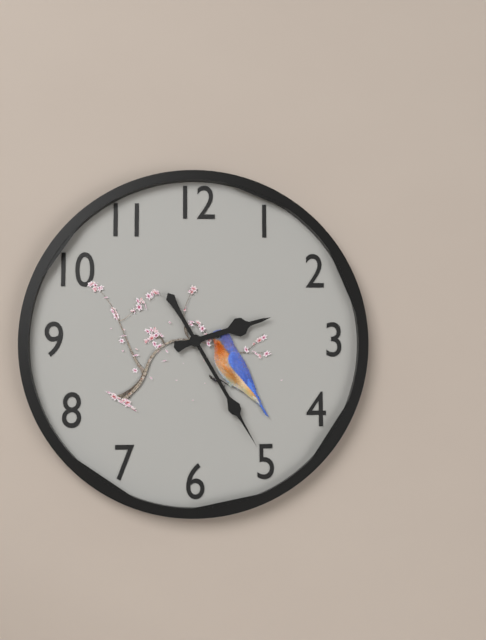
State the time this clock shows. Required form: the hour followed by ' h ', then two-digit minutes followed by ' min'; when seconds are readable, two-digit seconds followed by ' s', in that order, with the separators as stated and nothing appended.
2 h 25 min
